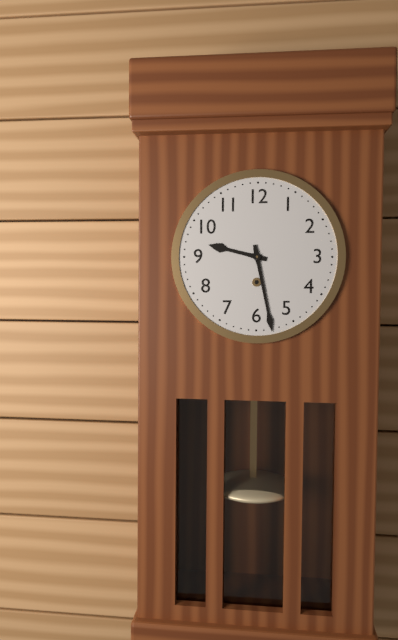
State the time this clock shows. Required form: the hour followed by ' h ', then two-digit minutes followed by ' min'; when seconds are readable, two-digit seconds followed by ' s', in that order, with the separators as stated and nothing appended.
9 h 28 min
